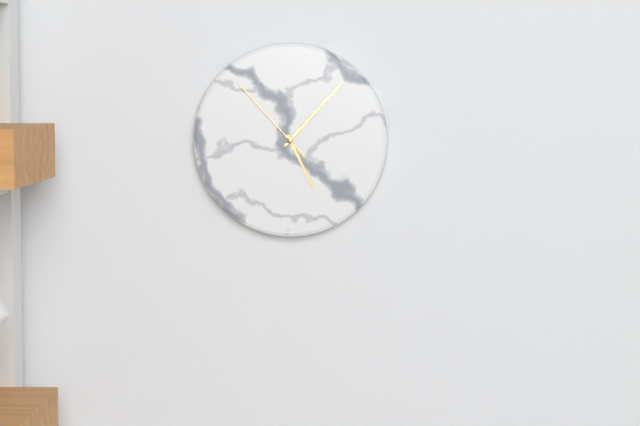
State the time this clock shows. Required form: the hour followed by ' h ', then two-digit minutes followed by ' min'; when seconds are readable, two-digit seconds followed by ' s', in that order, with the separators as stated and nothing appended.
5 h 07 min 53 s
